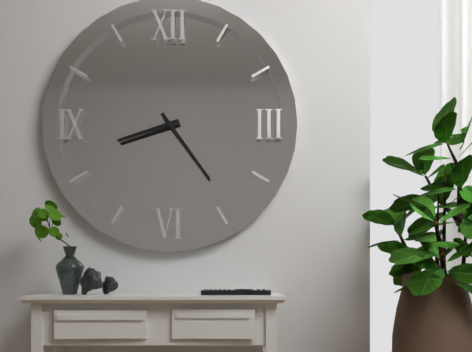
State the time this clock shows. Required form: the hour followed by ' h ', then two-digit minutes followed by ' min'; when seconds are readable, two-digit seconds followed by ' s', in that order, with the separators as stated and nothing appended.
8 h 24 min
